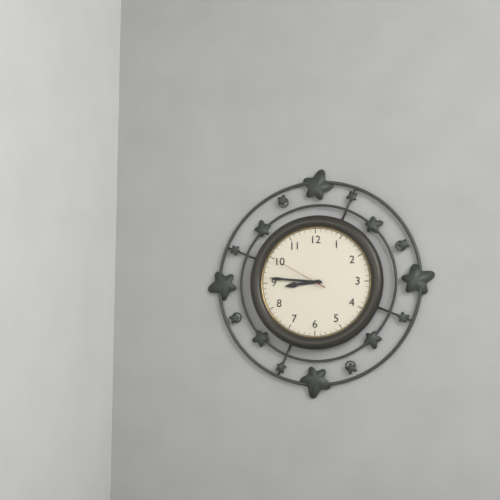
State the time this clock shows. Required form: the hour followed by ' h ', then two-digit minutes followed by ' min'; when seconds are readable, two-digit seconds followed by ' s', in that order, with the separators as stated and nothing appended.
8 h 46 min 50 s
